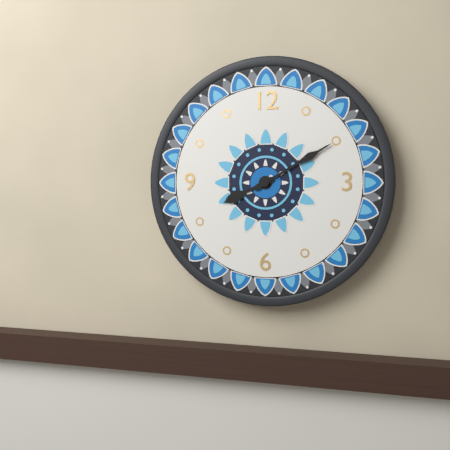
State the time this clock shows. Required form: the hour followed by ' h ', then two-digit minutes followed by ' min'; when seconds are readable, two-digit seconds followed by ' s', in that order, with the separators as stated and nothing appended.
8 h 10 min
